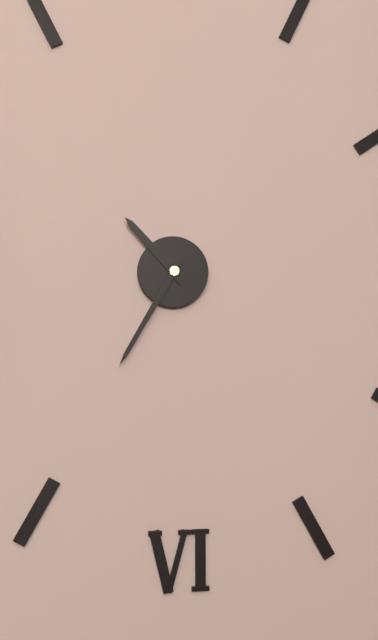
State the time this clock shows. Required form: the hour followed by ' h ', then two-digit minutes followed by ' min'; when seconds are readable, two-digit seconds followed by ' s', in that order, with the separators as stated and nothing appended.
10 h 35 min
